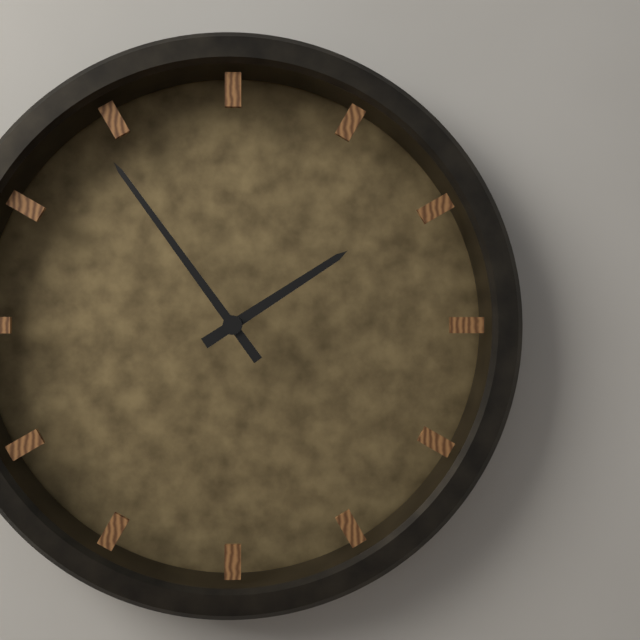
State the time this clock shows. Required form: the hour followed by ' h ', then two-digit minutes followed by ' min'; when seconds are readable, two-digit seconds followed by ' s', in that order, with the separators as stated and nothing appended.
1 h 54 min
